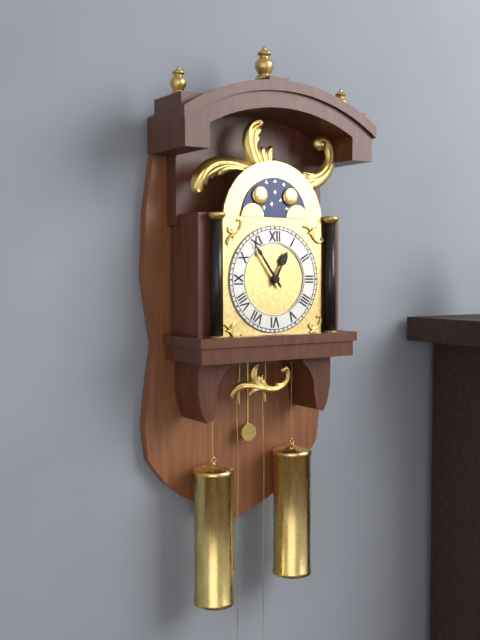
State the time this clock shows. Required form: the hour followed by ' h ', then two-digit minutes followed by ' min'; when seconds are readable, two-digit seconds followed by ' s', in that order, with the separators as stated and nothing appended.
12 h 54 min
